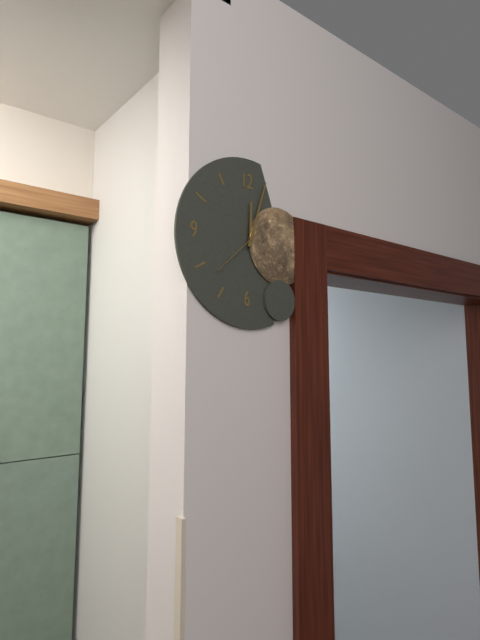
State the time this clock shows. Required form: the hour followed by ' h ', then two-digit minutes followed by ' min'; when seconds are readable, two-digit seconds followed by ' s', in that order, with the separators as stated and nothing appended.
12 h 03 min
